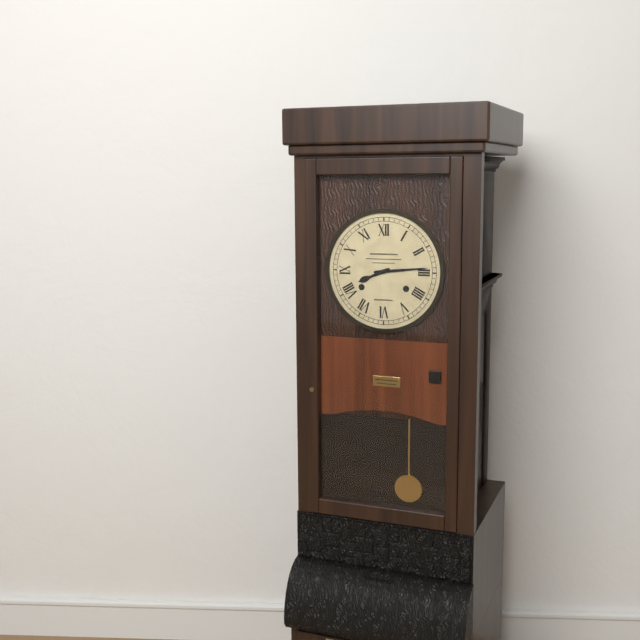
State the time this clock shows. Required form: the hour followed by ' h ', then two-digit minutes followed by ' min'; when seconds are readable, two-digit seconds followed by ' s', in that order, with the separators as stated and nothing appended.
8 h 14 min
